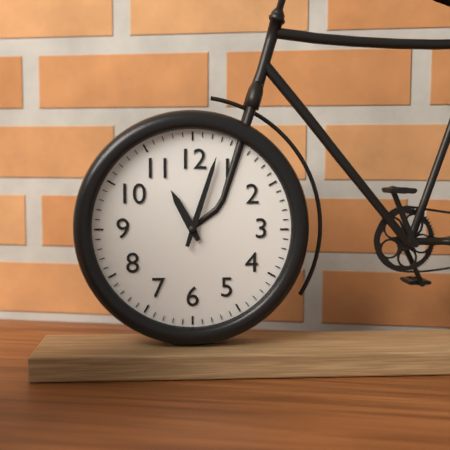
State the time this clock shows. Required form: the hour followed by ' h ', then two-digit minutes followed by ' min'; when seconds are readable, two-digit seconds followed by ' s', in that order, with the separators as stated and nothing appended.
11 h 03 min
